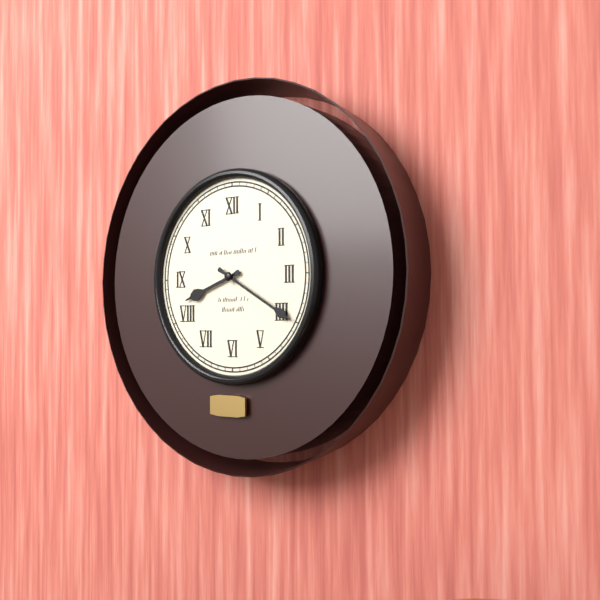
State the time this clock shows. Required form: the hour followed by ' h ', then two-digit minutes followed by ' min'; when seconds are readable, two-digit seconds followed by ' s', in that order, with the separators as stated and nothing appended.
8 h 20 min
